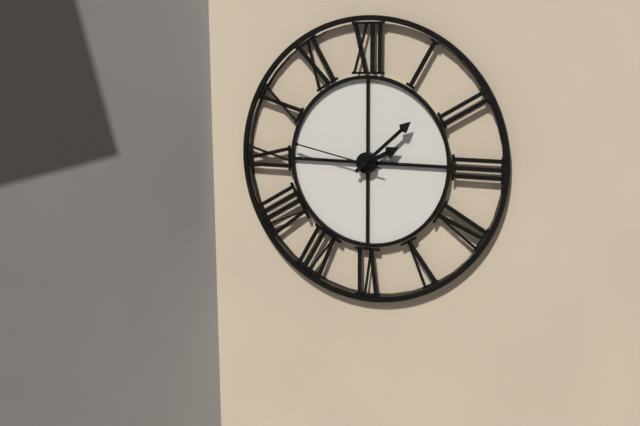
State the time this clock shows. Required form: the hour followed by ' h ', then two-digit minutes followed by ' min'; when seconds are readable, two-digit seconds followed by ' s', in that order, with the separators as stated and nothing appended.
2 h 08 min 47 s
